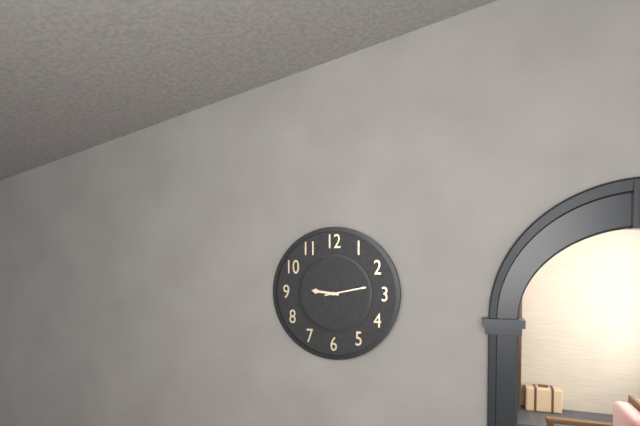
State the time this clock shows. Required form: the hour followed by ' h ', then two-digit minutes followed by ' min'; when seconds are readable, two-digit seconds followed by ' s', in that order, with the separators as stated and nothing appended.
9 h 13 min
